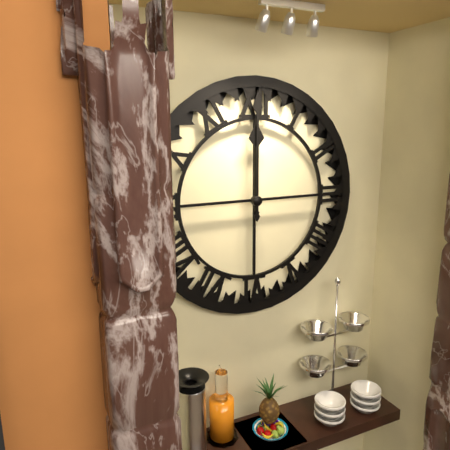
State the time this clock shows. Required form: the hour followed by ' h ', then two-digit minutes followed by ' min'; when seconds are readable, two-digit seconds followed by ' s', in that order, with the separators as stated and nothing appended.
12 h 00 min
